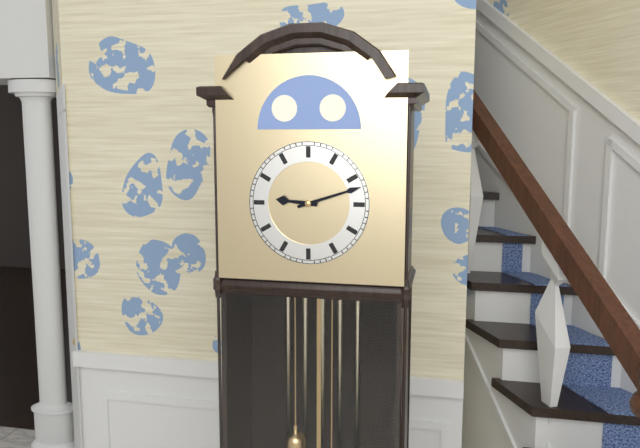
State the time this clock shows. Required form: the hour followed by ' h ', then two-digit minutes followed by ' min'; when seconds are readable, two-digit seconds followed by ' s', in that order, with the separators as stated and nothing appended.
9 h 12 min
